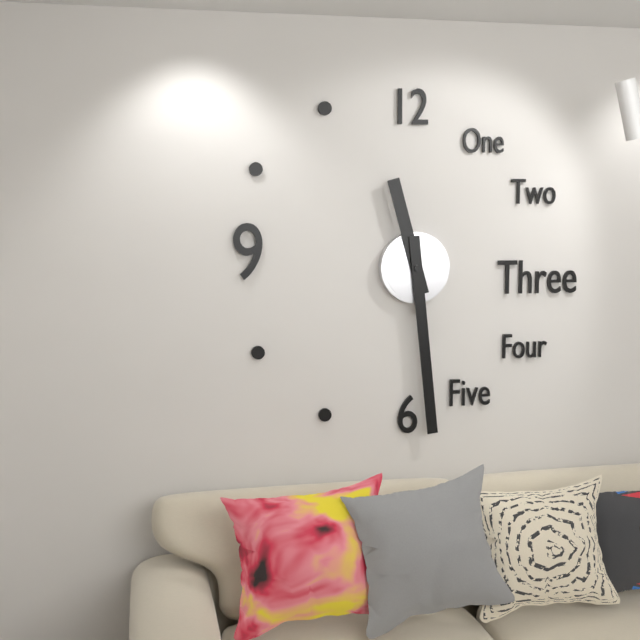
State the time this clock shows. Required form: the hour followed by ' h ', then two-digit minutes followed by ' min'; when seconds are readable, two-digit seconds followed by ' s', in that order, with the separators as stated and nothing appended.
11 h 29 min
